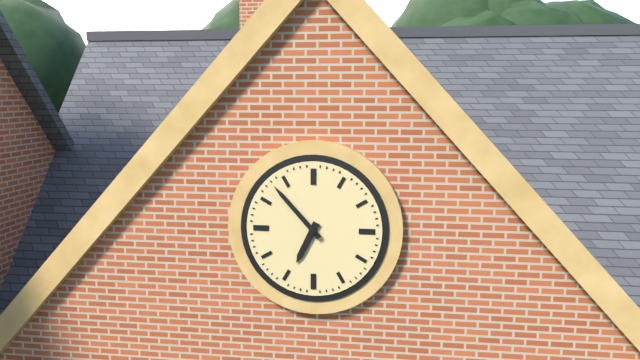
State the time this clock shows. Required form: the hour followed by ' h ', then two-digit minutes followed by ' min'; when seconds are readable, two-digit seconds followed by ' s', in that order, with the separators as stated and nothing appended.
6 h 53 min
